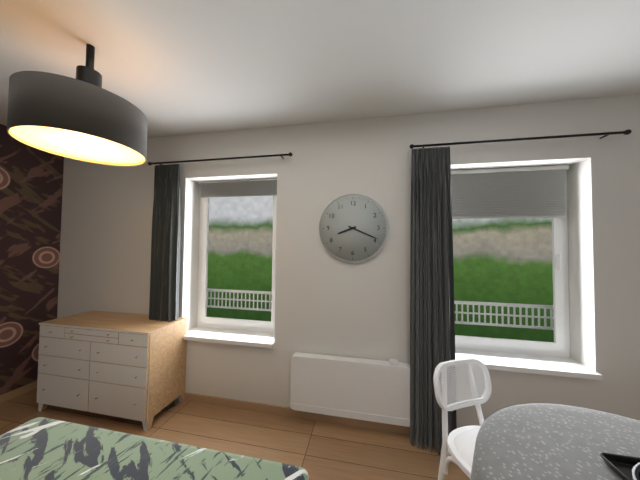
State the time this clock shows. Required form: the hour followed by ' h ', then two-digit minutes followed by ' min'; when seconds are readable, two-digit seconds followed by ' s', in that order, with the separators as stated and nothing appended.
8 h 19 min
